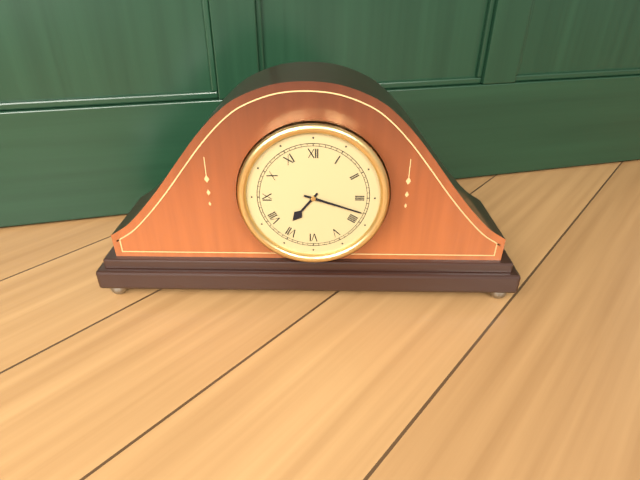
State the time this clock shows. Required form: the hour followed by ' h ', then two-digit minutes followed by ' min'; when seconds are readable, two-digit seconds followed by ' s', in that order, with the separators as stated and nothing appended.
7 h 18 min
